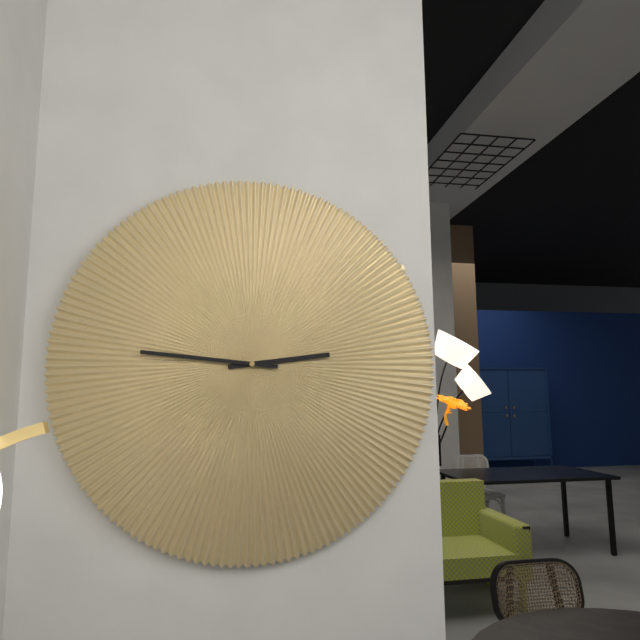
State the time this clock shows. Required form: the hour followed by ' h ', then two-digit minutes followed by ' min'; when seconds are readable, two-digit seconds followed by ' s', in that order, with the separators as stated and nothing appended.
2 h 46 min
